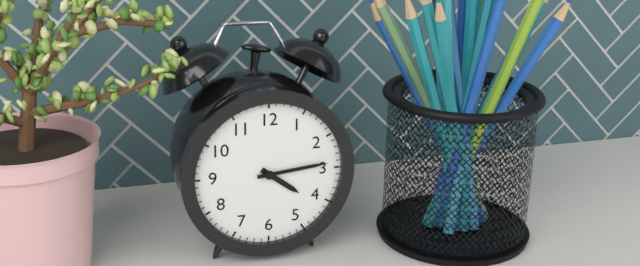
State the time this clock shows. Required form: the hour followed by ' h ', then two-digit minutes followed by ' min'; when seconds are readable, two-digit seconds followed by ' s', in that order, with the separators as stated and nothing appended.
4 h 14 min
